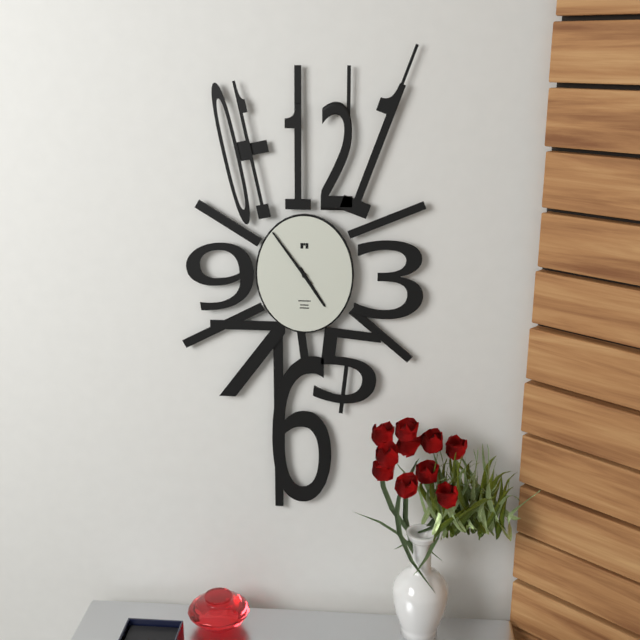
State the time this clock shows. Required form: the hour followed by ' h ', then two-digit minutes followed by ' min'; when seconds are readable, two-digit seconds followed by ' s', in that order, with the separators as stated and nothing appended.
4 h 54 min
